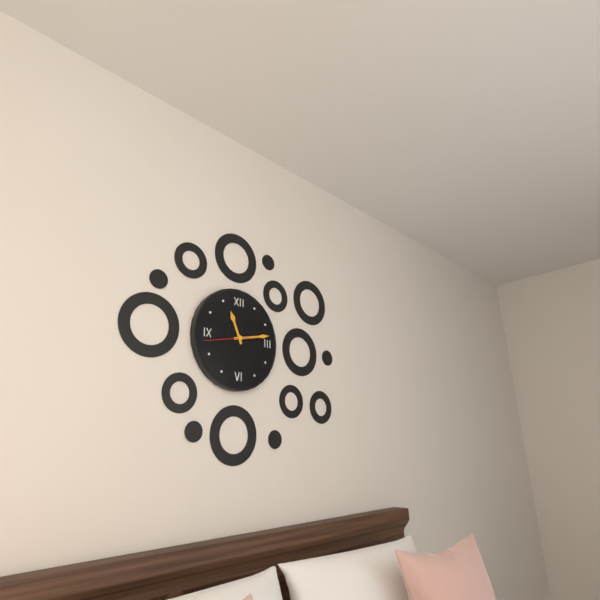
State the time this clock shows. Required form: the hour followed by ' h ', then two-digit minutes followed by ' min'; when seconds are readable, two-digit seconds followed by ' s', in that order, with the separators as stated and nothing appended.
11 h 13 min
